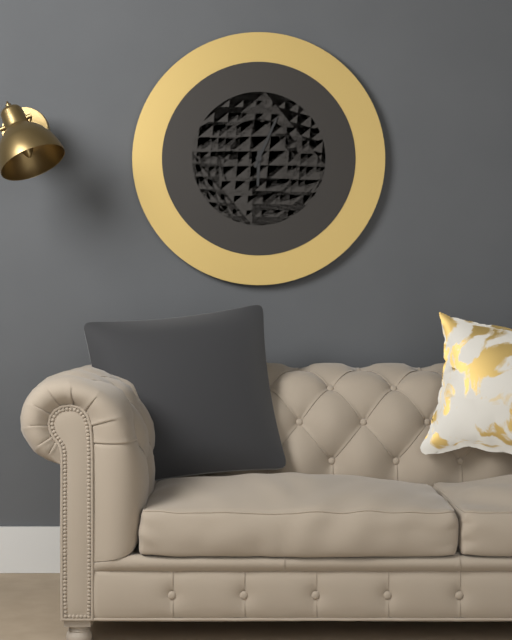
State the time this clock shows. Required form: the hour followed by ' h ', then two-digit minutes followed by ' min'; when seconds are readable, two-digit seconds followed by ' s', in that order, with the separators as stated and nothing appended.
6 h 04 min
